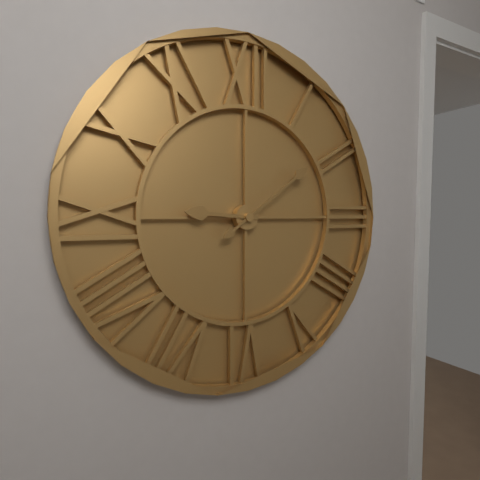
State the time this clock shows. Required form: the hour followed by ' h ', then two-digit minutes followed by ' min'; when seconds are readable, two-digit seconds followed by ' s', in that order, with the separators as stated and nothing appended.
9 h 09 min
